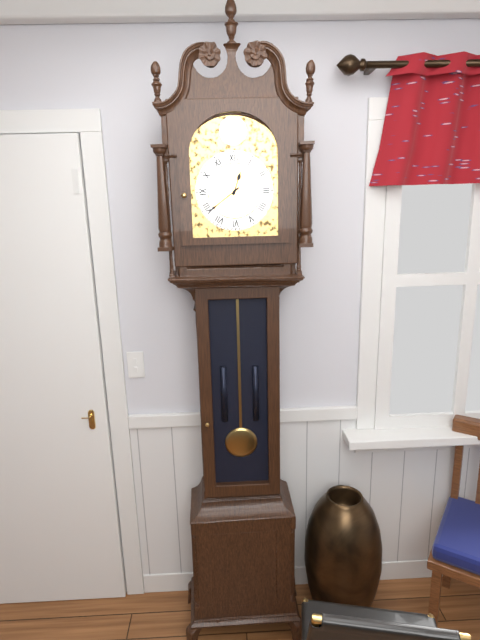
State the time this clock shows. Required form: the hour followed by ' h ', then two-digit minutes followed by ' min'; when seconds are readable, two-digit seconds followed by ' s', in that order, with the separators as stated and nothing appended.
12 h 39 min
